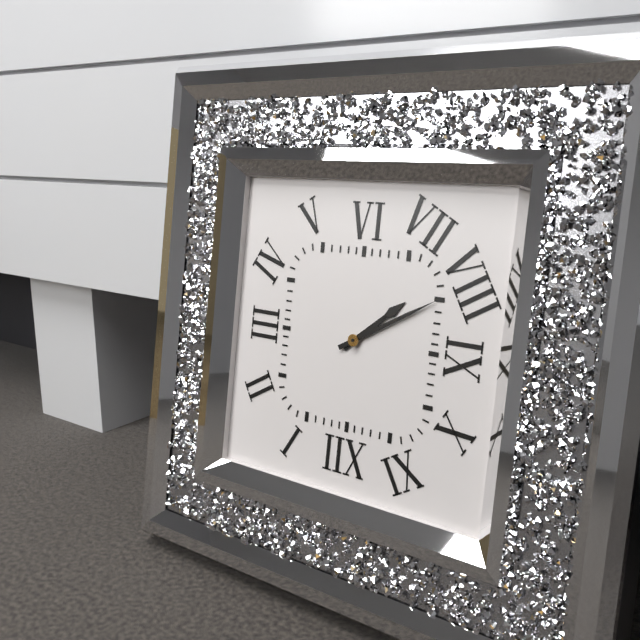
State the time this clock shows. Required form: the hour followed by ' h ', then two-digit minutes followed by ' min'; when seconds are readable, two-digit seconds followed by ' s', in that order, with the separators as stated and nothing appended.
7 h 40 min
